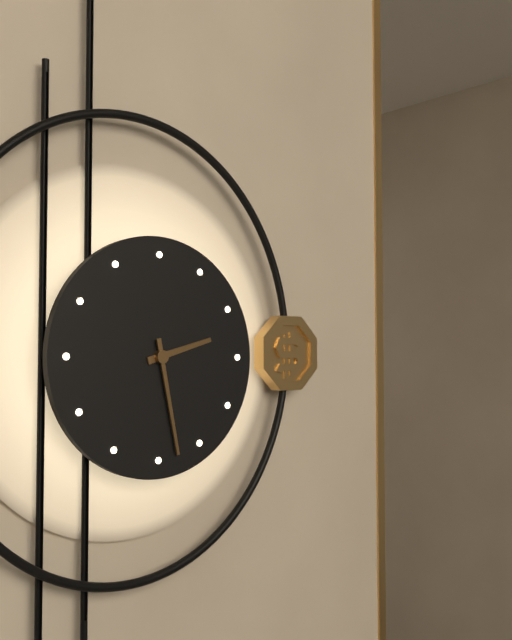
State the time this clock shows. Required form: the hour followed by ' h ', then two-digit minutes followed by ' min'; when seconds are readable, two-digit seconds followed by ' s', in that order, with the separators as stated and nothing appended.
2 h 28 min
